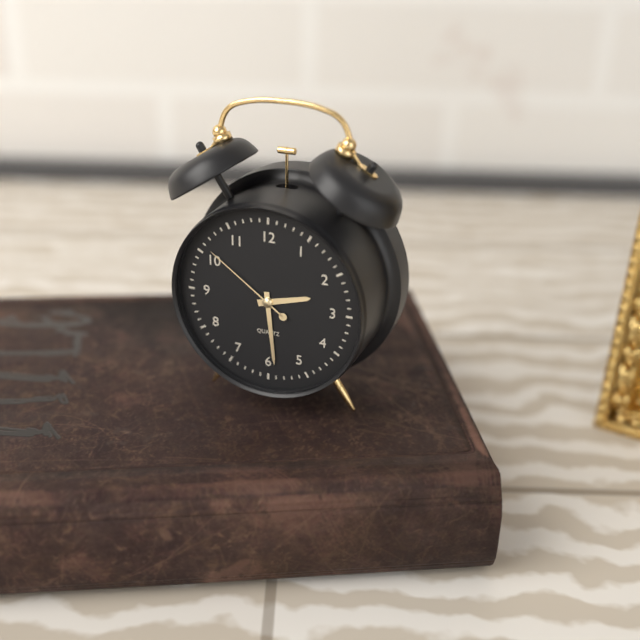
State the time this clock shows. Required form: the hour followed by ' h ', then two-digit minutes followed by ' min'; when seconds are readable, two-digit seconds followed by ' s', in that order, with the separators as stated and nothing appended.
2 h 29 min 51 s
